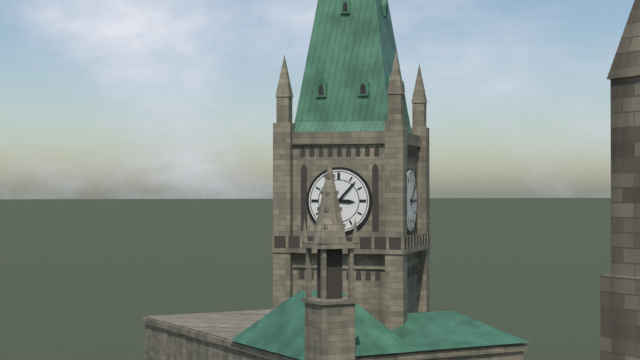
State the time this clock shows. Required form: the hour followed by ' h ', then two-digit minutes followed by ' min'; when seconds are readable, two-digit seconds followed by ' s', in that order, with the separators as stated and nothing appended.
3 h 07 min
